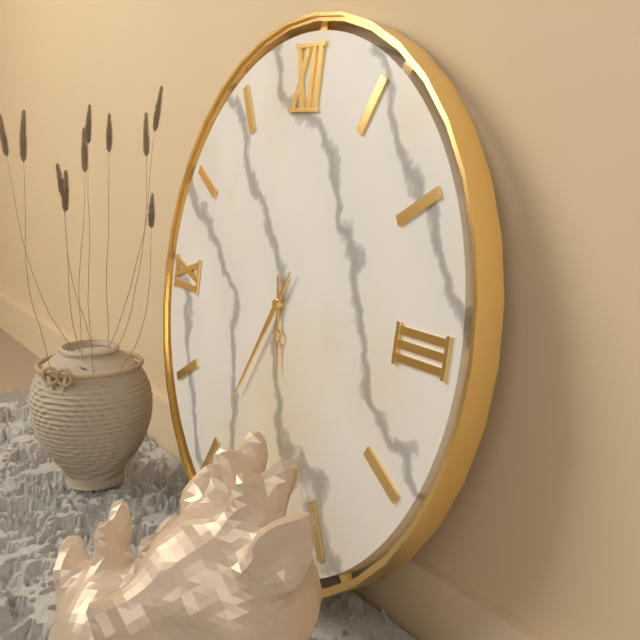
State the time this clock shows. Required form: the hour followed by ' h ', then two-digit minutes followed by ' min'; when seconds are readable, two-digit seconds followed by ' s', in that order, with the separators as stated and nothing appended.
5 h 35 min
